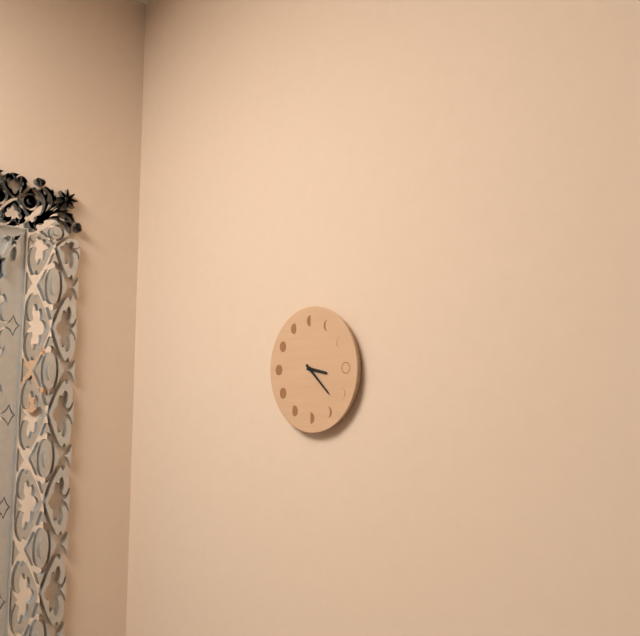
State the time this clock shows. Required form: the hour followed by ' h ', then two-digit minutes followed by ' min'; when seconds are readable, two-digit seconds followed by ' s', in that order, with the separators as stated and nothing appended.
3 h 22 min
